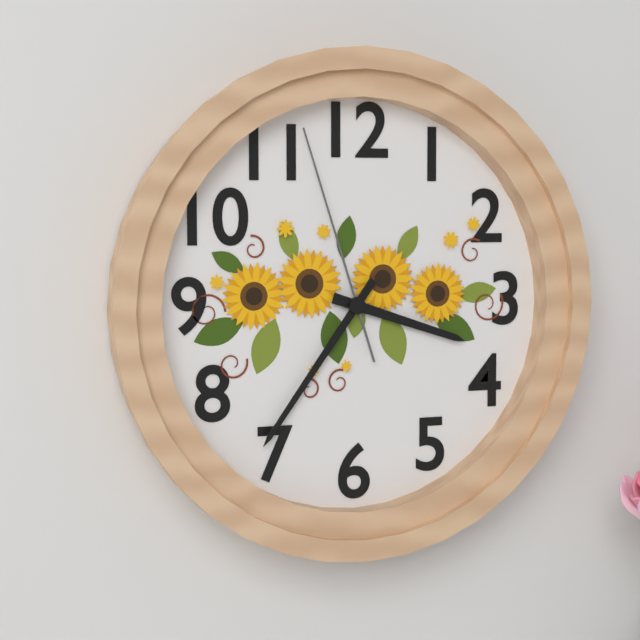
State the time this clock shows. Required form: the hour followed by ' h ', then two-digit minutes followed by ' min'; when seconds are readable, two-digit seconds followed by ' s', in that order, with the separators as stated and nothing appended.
3 h 36 min 57 s
